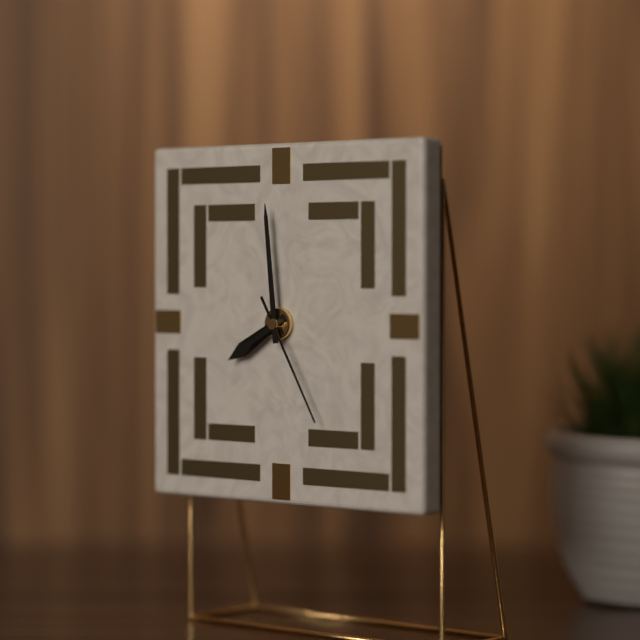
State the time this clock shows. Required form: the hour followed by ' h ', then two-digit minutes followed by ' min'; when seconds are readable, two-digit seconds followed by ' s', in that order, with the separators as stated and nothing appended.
7 h 59 min 25 s
